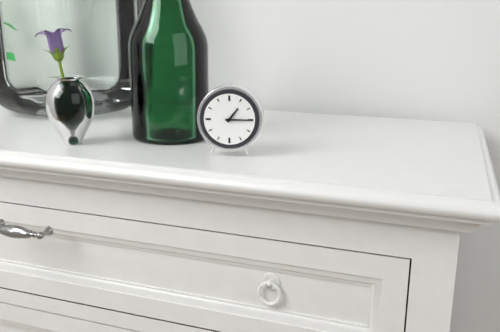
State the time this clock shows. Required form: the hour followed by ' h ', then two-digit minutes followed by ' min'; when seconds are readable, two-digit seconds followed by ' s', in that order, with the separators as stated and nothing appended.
1 h 15 min
